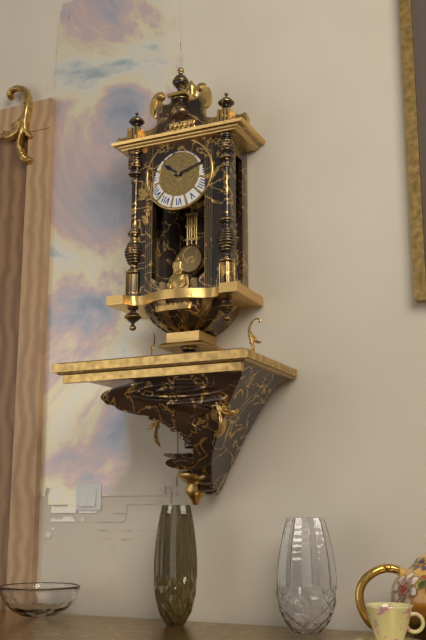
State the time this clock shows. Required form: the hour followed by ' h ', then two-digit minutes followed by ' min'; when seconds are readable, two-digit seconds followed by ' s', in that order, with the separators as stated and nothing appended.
10 h 12 min
